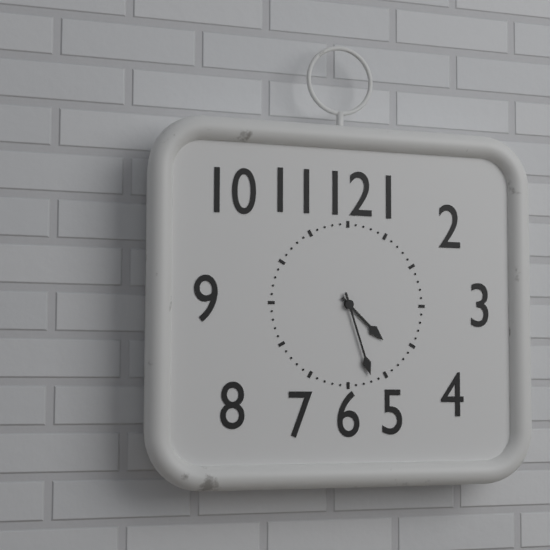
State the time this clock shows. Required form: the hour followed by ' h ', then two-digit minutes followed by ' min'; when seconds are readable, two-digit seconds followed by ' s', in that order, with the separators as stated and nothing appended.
4 h 27 min
